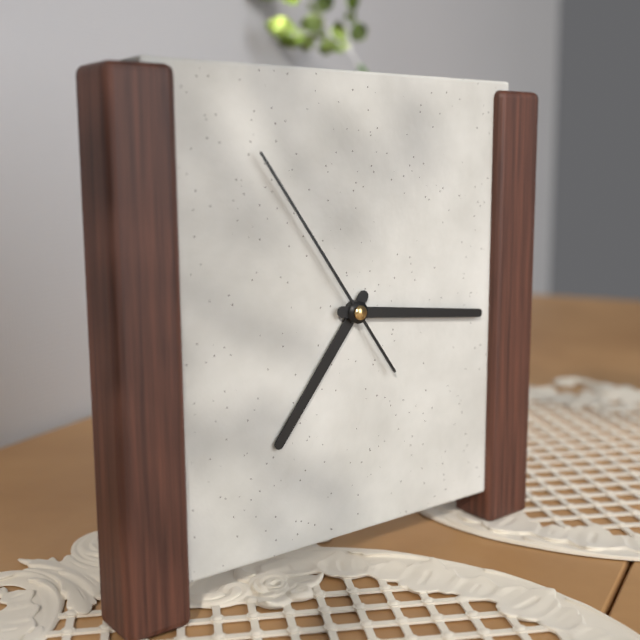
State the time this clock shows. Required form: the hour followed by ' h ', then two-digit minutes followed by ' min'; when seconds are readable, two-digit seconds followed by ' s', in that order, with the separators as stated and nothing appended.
7 h 16 min 54 s
